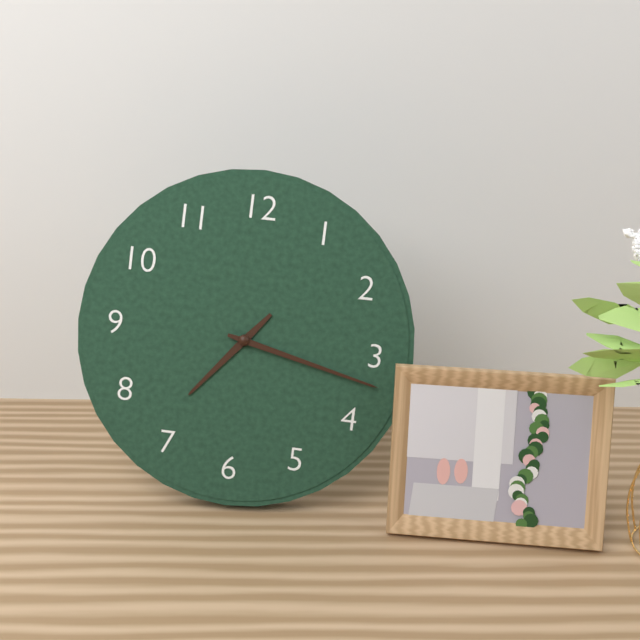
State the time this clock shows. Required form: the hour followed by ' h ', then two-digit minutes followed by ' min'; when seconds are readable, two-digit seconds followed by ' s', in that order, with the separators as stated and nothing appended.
7 h 17 min
